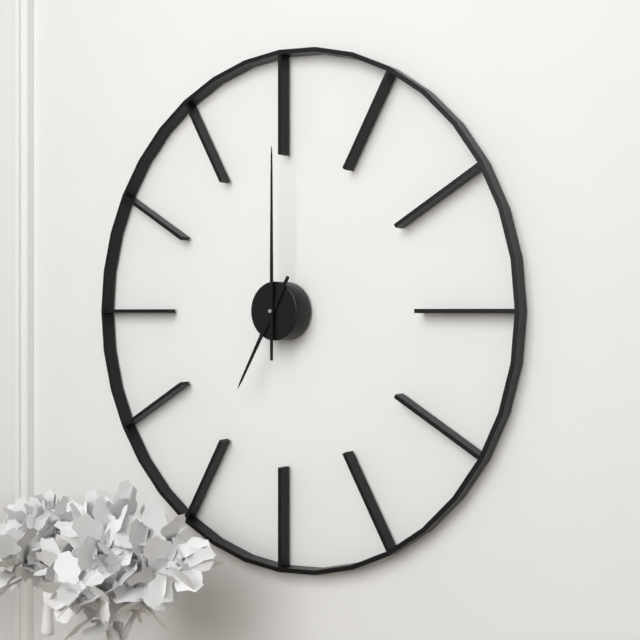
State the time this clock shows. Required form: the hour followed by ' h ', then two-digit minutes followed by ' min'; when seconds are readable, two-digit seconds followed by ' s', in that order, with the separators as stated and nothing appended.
7 h 00 min
